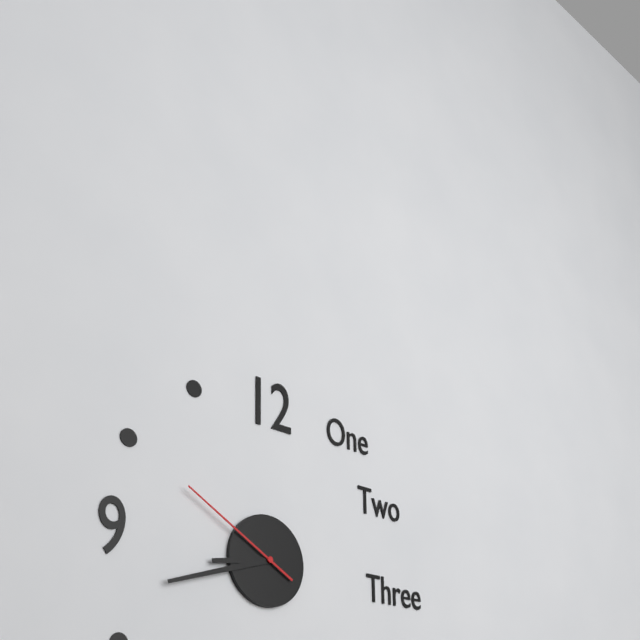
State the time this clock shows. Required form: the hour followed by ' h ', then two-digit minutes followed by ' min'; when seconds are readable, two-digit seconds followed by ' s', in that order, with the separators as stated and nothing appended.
8 h 42 min 50 s
